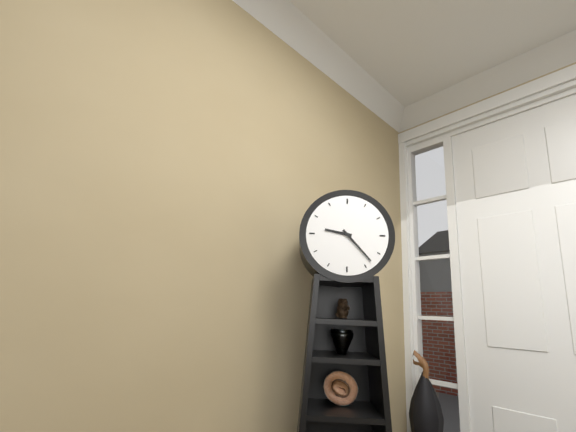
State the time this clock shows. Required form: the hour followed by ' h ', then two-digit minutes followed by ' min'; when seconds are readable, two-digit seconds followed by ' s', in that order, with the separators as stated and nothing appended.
9 h 23 min
